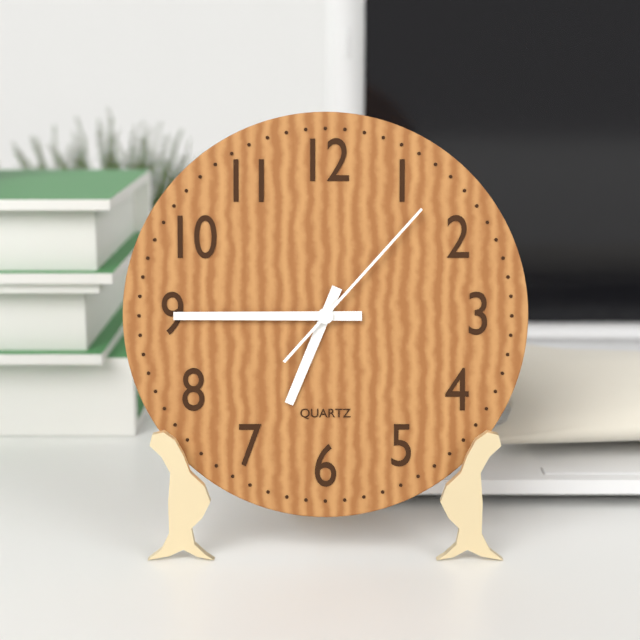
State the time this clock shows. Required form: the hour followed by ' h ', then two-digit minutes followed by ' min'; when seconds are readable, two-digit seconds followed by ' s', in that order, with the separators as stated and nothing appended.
6 h 45 min 07 s
